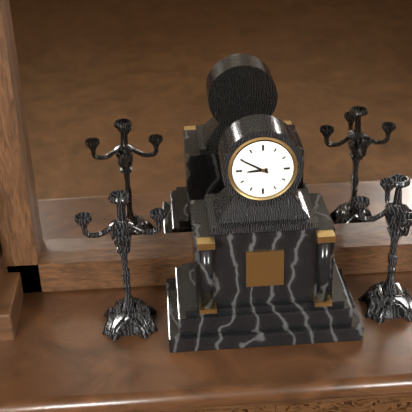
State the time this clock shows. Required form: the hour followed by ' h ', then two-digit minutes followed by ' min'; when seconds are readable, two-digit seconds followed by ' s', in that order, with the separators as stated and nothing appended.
8 h 50 min
